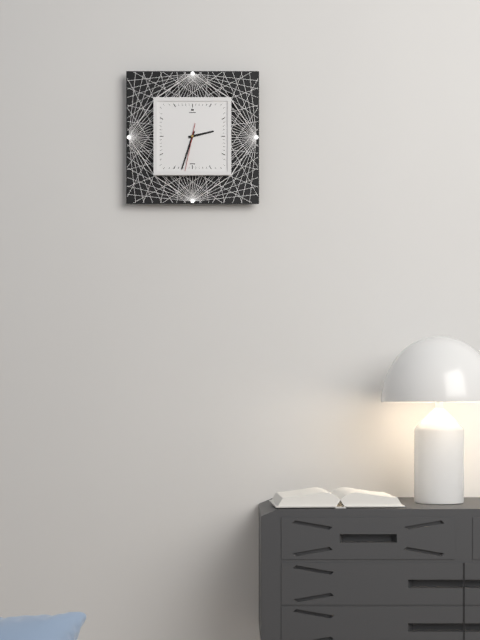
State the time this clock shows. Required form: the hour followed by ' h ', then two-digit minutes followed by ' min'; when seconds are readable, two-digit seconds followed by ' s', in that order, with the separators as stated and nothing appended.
2 h 33 min
